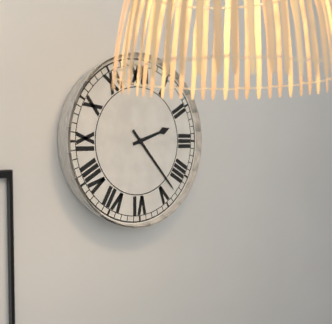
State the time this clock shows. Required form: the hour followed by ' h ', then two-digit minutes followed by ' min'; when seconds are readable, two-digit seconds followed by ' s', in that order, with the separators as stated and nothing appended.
2 h 23 min
